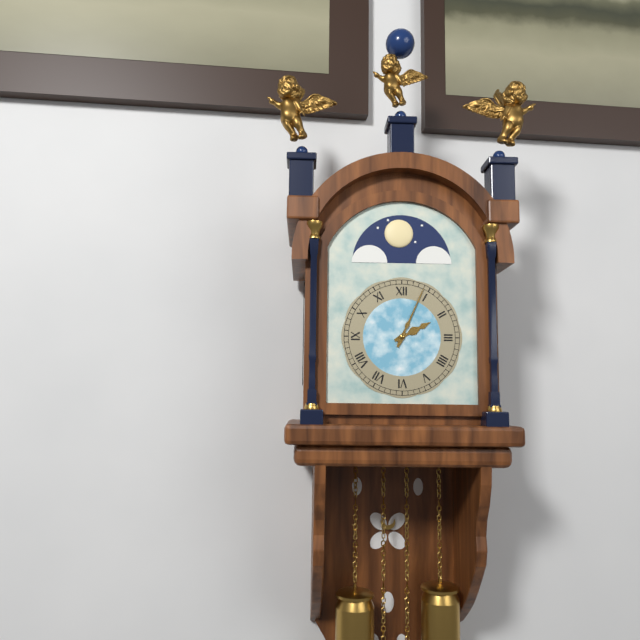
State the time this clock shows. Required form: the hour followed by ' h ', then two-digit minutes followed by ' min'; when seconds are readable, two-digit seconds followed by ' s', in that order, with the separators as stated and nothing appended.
2 h 04 min
